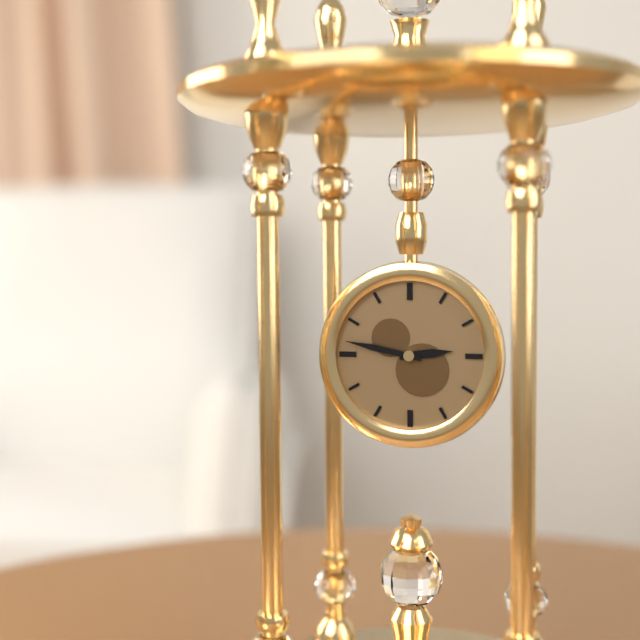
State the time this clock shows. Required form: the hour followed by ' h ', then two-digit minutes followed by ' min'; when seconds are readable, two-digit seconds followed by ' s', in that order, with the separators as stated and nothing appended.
2 h 47 min
